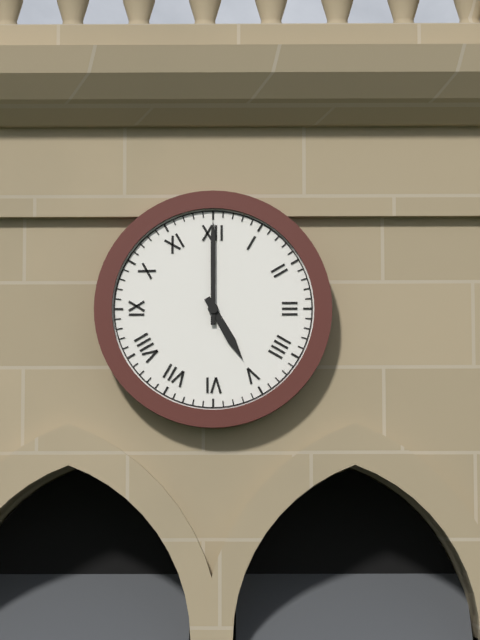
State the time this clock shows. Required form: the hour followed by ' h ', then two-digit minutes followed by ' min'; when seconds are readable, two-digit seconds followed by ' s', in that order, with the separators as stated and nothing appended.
5 h 00 min
